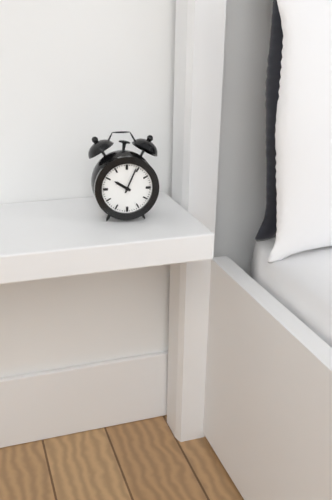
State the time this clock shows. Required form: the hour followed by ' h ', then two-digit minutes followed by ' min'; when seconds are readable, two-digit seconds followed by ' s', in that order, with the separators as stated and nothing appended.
10 h 04 min
